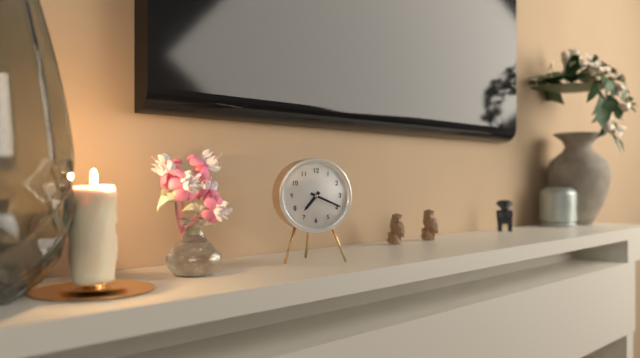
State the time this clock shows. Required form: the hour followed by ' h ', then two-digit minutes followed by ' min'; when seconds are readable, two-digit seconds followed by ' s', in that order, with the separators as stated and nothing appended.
7 h 19 min
